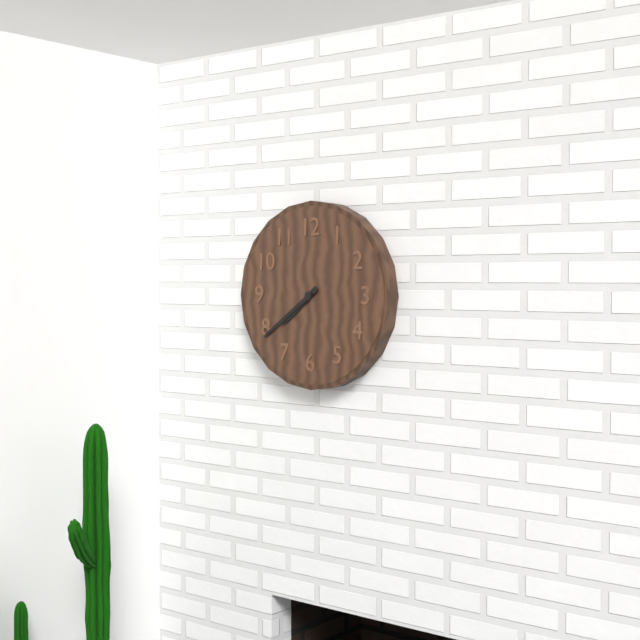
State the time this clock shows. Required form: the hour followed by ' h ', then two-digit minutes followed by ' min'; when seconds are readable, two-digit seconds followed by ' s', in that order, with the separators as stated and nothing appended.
7 h 39 min
